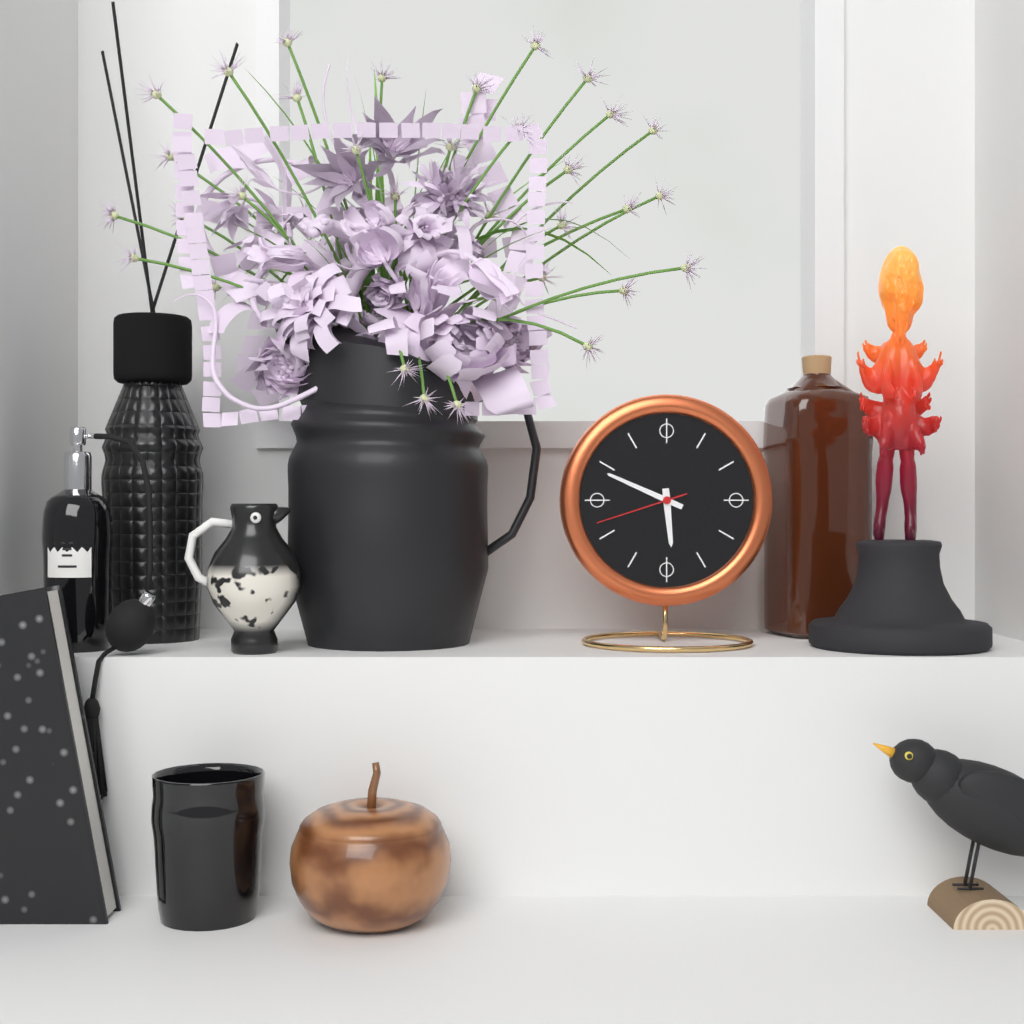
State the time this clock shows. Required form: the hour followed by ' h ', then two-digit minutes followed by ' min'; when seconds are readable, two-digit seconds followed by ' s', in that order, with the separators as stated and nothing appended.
5 h 49 min 42 s
